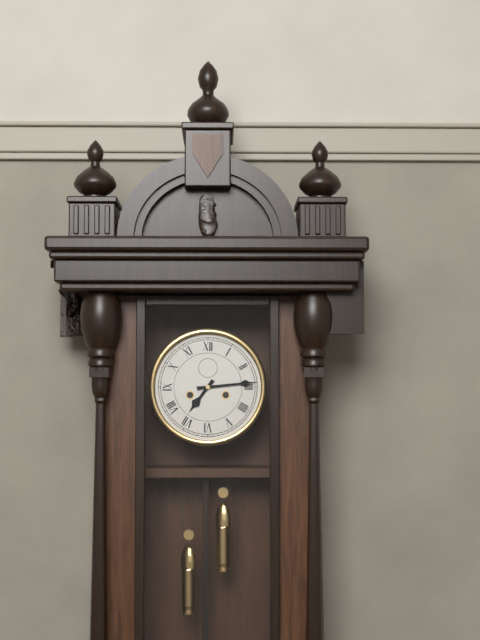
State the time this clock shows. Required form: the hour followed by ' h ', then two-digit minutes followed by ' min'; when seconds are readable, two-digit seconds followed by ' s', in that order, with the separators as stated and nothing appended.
7 h 14 min
